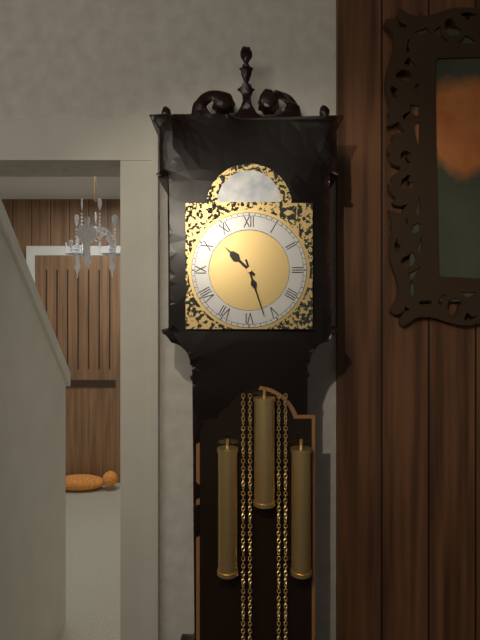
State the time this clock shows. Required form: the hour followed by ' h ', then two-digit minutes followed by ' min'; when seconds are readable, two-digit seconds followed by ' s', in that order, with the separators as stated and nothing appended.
10 h 27 min
